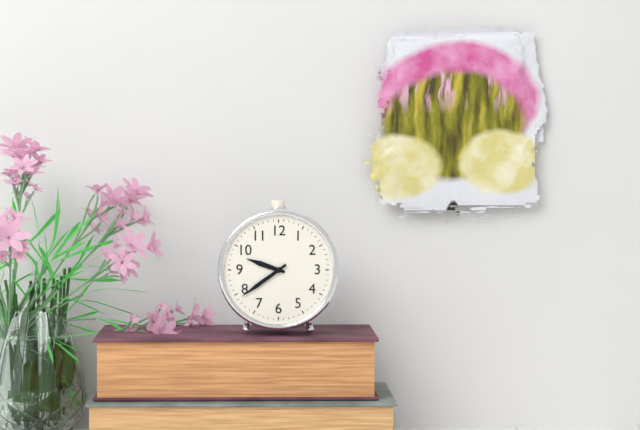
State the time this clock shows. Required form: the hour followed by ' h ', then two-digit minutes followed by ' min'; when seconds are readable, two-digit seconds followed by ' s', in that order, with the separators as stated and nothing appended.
9 h 39 min
